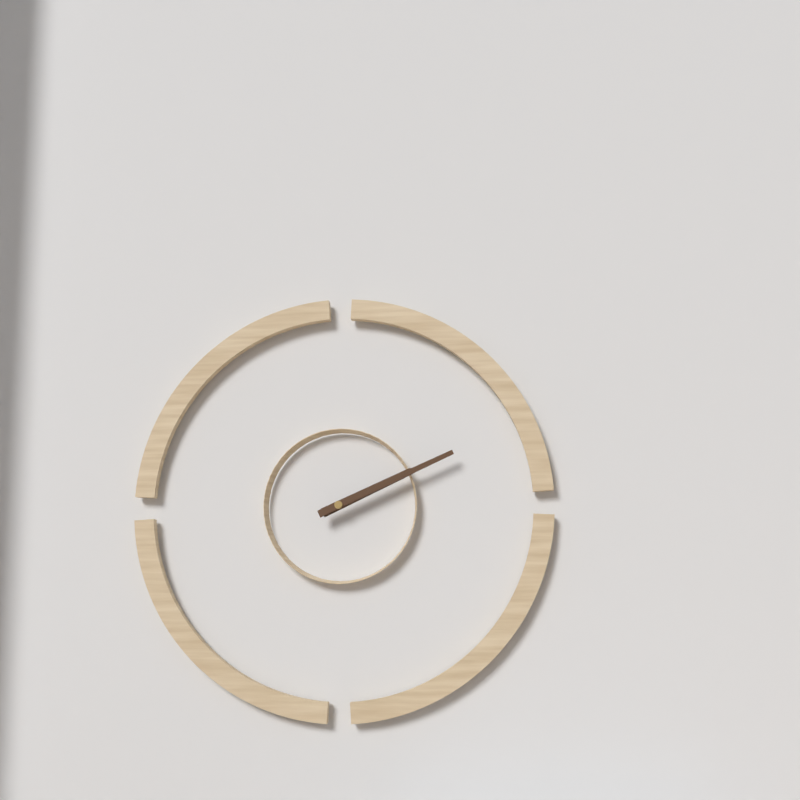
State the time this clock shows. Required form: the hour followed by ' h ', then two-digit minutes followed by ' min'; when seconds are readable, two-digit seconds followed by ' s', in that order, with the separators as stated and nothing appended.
2 h 11 min
